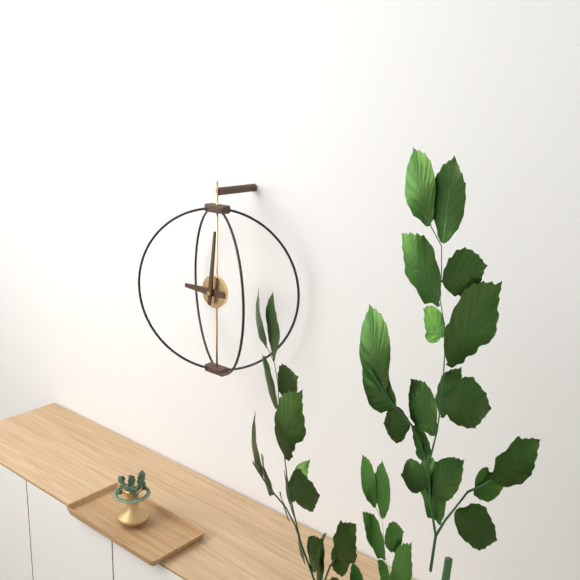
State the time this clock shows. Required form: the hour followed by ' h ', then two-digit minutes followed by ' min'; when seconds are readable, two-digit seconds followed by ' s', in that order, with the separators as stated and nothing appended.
9 h 01 min
